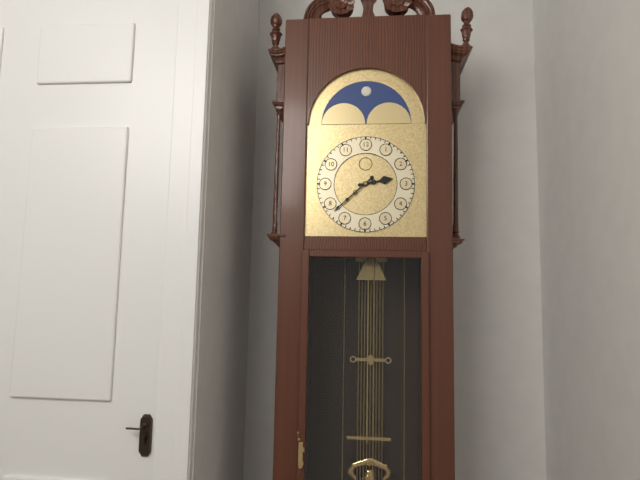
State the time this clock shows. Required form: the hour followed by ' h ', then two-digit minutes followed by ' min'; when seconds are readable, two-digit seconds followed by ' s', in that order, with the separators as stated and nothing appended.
2 h 38 min
